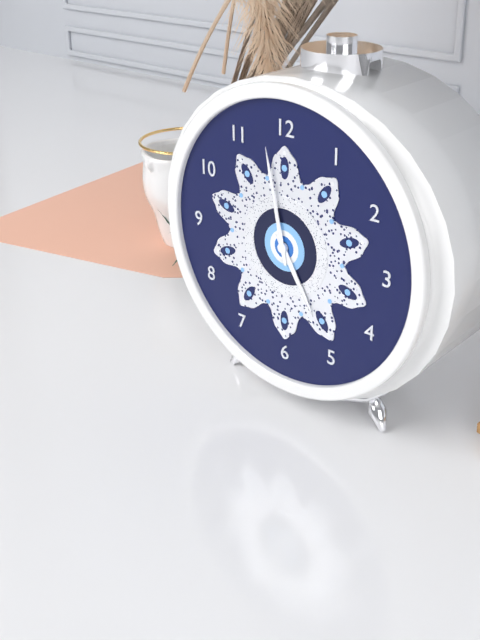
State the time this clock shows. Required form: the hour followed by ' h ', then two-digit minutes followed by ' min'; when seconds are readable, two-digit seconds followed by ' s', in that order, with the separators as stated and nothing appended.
4 h 58 min
